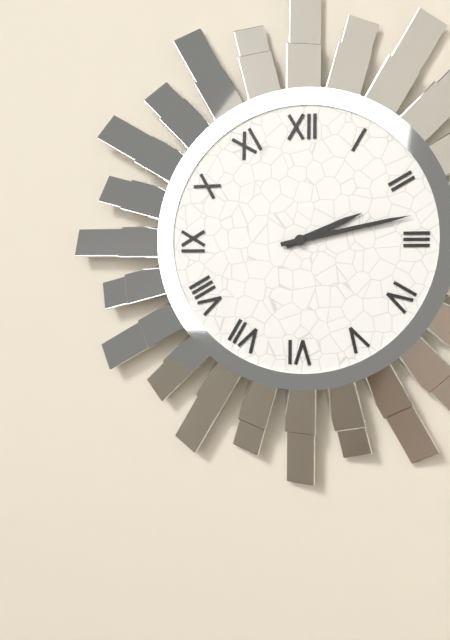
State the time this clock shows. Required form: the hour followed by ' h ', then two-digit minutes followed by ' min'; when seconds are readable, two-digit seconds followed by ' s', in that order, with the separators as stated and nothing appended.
2 h 13 min
